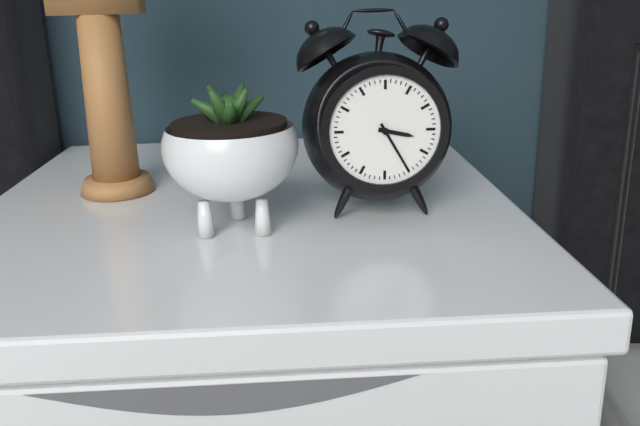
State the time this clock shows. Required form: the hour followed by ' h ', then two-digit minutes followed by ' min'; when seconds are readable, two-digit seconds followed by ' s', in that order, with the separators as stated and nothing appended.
3 h 25 min
